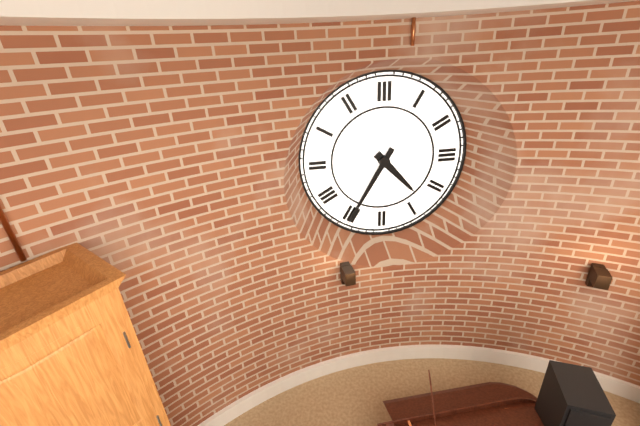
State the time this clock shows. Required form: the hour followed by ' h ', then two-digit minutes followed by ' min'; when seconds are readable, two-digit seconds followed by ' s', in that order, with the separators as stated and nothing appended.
4 h 35 min
